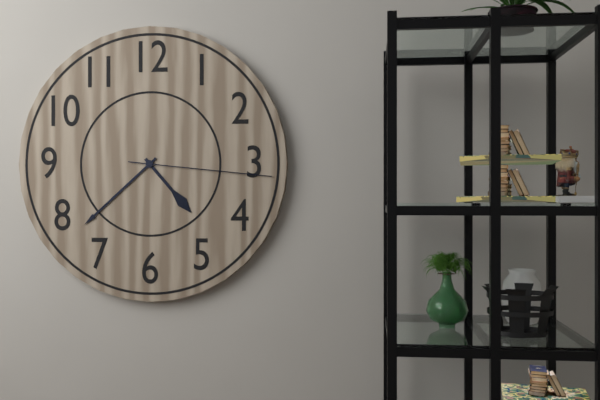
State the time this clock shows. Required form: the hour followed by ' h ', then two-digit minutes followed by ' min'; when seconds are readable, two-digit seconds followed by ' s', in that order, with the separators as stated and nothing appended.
4 h 38 min 16 s
